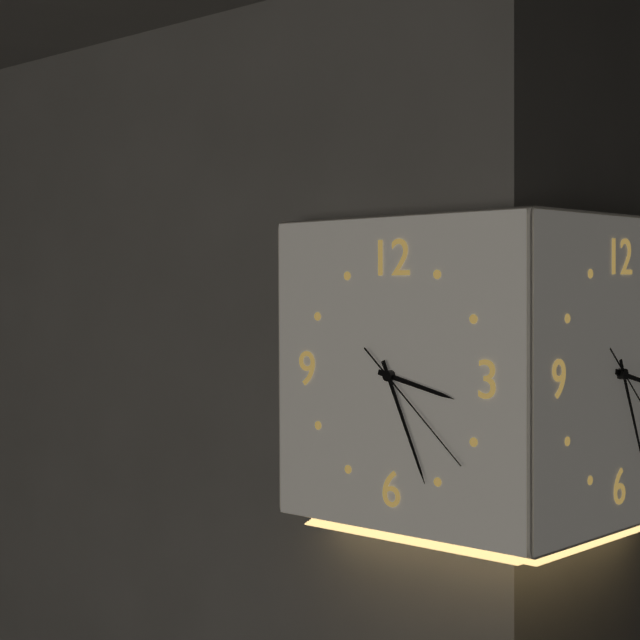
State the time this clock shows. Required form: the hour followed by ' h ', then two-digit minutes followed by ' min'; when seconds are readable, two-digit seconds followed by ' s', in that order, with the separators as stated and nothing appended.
3 h 26 min 22 s
